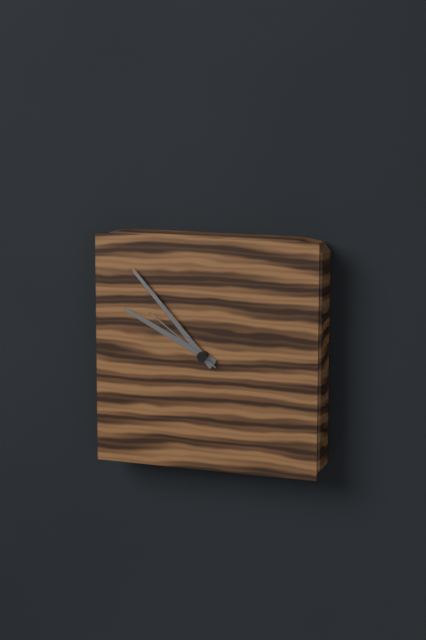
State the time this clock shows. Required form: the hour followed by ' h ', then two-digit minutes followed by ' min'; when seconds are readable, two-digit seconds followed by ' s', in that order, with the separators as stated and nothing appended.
9 h 53 min 51 s
